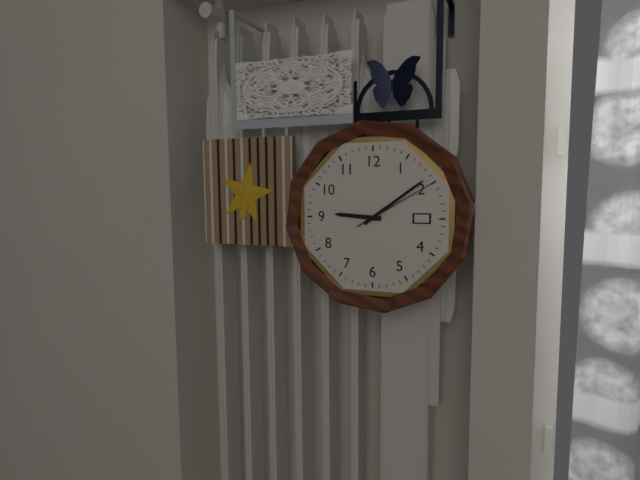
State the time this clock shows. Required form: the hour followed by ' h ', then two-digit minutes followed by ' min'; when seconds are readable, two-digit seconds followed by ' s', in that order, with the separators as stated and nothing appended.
9 h 09 min 10 s
